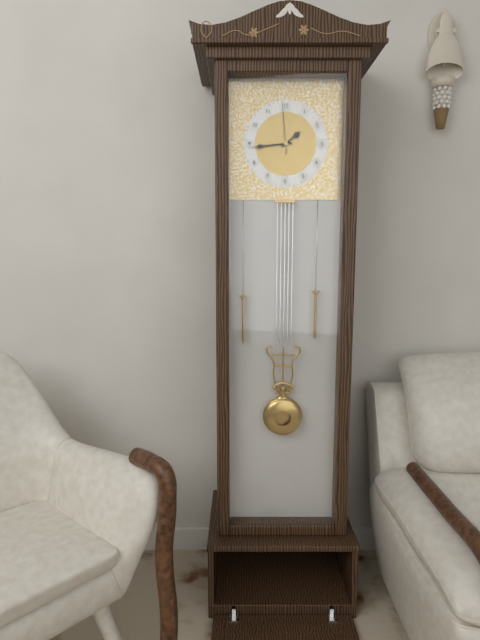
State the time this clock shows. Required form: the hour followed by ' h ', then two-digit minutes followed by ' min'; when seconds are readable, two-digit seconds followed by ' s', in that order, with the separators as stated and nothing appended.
1 h 44 min 59 s
